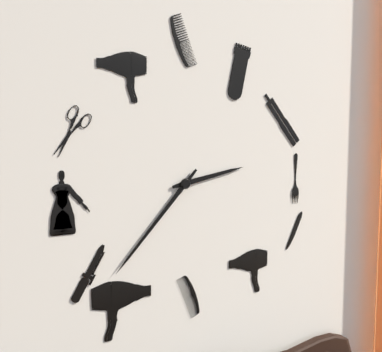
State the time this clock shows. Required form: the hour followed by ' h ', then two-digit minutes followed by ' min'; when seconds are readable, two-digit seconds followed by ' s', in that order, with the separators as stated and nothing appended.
2 h 37 min
